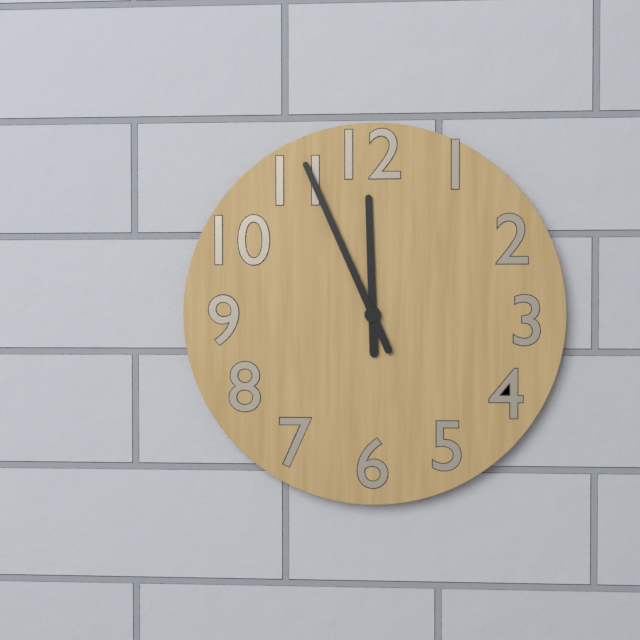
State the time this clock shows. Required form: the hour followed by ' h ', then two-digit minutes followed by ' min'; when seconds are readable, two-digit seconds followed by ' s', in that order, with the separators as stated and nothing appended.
11 h 56 min
